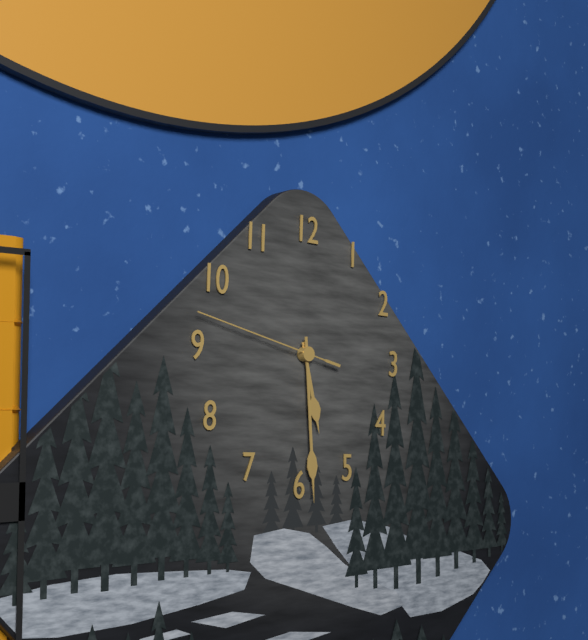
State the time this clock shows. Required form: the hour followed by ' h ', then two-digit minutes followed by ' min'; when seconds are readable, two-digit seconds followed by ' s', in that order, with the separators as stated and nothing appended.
5 h 29 min 47 s
